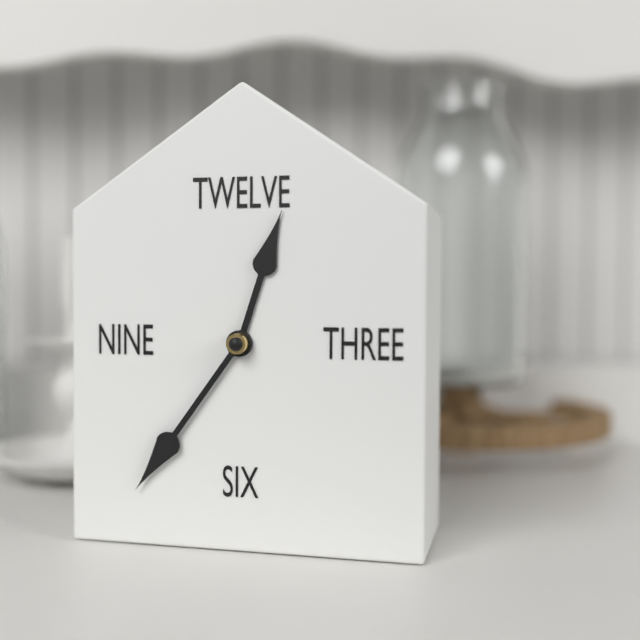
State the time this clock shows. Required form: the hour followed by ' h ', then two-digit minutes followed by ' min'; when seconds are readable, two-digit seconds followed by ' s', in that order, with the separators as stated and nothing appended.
12 h 36 min
